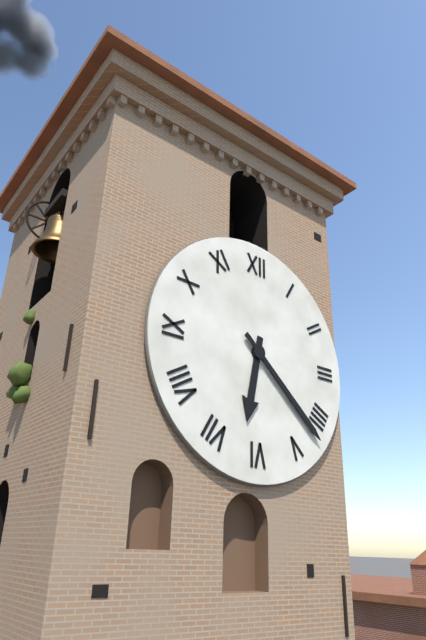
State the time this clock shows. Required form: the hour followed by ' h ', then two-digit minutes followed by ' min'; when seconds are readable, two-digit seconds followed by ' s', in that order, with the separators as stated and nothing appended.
6 h 22 min
